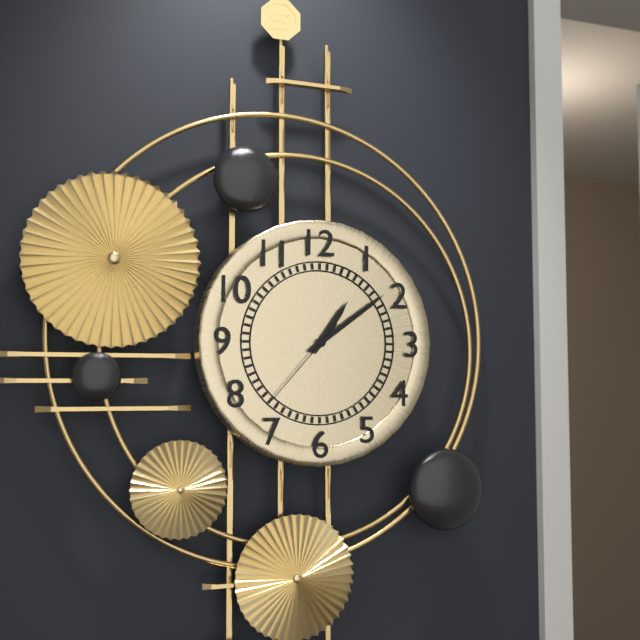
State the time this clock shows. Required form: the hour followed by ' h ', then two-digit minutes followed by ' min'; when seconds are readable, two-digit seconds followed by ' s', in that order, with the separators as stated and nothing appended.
1 h 09 min 37 s
